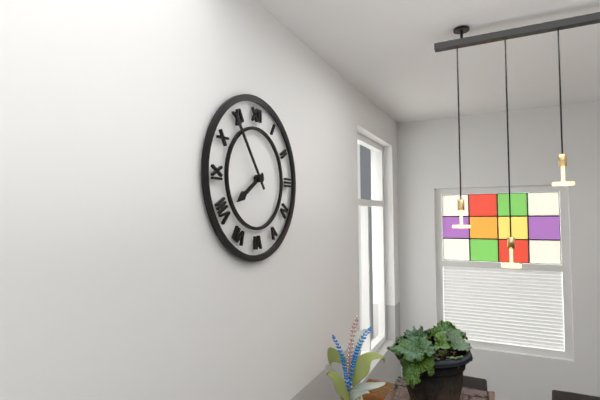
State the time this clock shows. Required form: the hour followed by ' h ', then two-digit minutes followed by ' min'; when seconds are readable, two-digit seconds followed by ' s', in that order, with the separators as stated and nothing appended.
7 h 54 min
